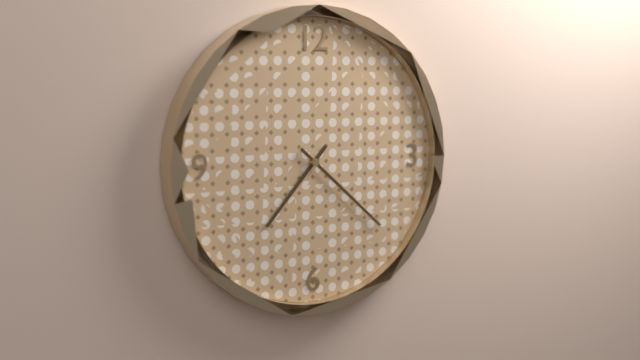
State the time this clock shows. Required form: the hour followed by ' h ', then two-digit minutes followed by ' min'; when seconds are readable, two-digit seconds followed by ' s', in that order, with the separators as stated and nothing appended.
7 h 22 min
